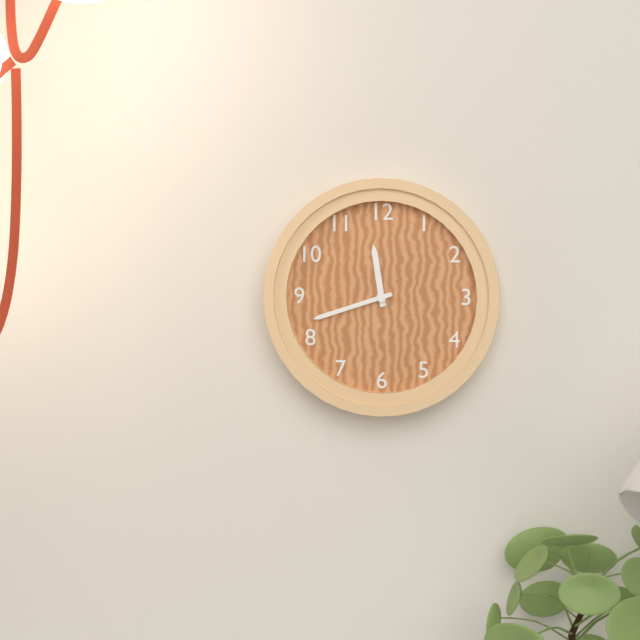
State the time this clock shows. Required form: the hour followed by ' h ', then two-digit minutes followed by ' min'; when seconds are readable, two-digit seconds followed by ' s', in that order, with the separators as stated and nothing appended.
11 h 42 min
